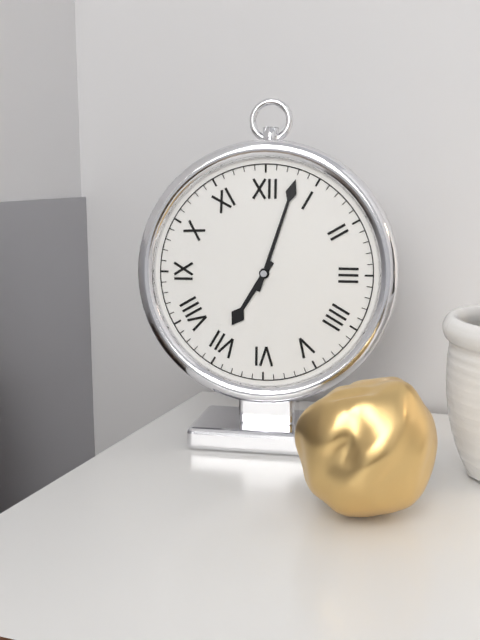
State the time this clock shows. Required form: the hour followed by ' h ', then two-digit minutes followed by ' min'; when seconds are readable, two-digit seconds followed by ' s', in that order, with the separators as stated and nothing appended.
7 h 03 min
